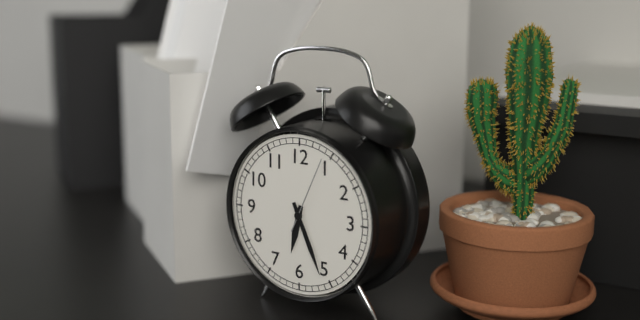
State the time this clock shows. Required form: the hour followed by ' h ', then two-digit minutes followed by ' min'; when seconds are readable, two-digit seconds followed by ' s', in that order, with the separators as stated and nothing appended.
6 h 26 min 04 s
